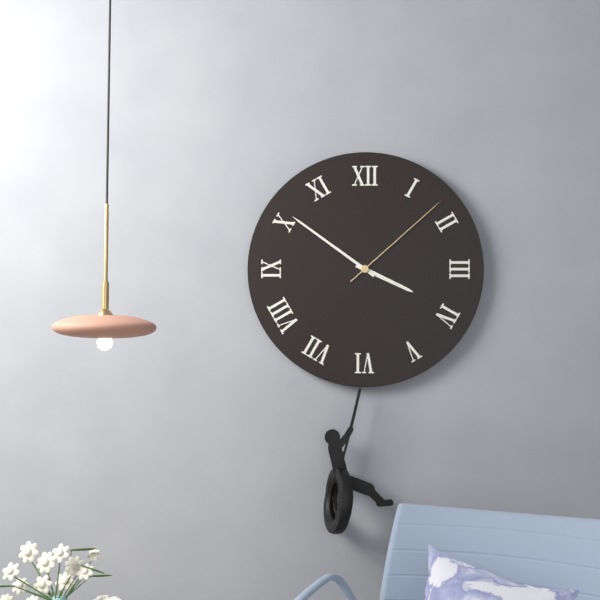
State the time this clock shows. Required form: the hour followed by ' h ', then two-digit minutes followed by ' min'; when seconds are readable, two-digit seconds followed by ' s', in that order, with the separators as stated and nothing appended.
3 h 51 min 08 s
